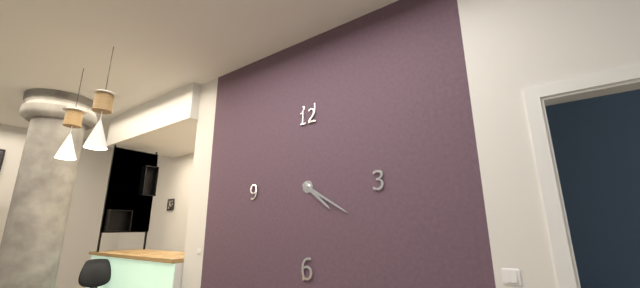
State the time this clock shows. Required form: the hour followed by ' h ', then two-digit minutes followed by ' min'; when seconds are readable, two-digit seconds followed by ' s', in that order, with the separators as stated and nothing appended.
4 h 20 min
